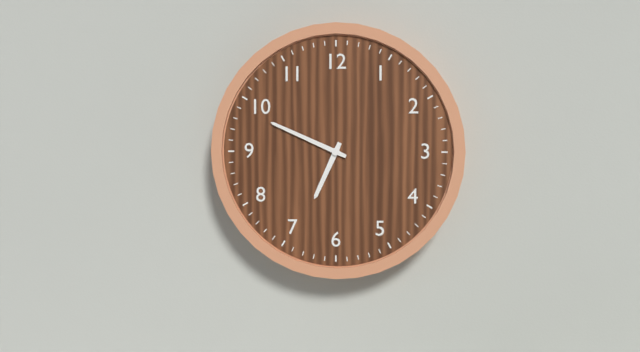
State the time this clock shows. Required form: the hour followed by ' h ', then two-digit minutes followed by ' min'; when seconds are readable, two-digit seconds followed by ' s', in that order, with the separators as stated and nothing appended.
6 h 49 min
